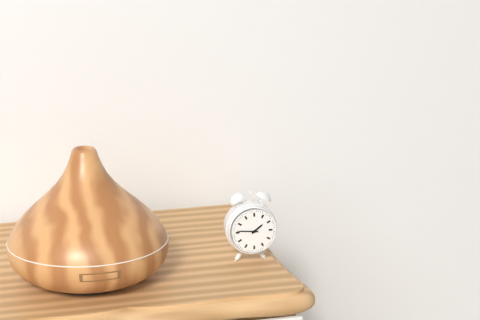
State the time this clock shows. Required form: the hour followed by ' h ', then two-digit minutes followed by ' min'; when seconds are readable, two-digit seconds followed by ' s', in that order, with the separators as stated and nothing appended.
1 h 46 min
